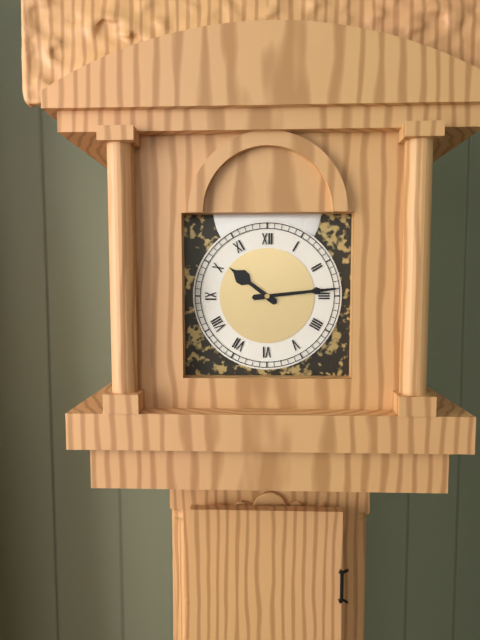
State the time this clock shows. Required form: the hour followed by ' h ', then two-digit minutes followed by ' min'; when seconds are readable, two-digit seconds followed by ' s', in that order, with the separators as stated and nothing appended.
10 h 14 min
